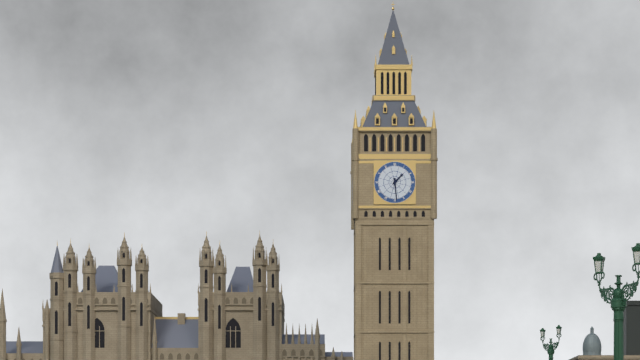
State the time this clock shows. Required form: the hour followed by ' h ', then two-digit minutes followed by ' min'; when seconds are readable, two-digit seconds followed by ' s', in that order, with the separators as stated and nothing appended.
1 h 29 min
